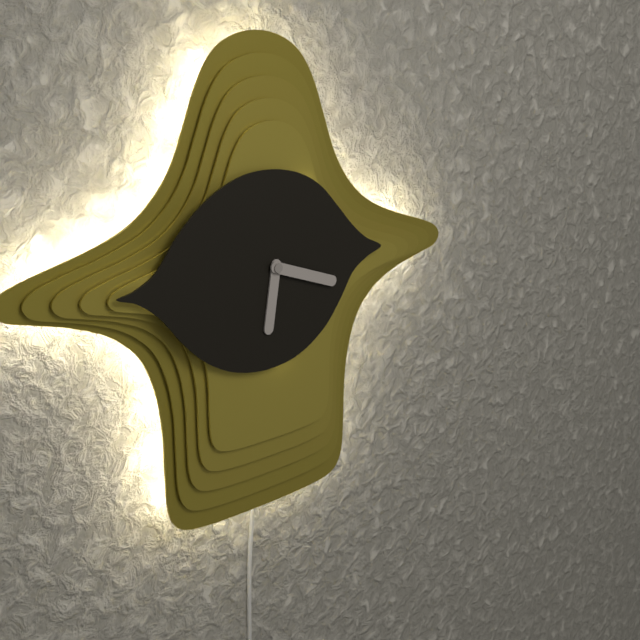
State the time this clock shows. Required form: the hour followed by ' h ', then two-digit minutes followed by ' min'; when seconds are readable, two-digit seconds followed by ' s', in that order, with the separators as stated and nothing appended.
6 h 18 min
